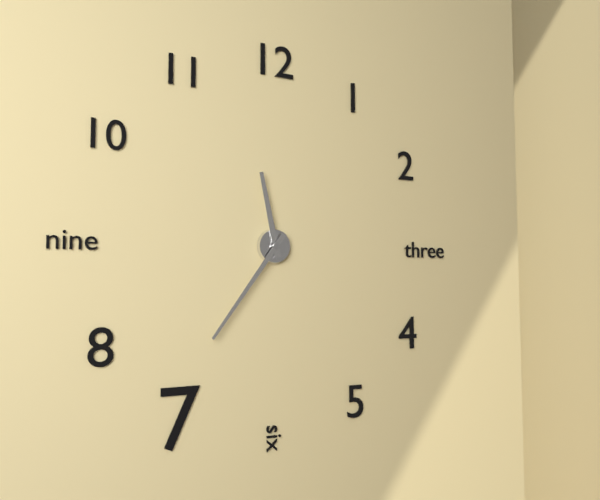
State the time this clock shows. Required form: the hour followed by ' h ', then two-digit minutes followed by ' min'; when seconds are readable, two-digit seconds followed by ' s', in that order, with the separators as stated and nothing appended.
11 h 36 min
